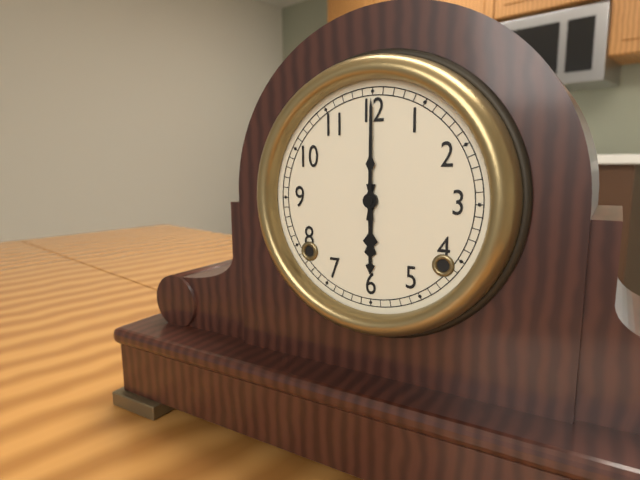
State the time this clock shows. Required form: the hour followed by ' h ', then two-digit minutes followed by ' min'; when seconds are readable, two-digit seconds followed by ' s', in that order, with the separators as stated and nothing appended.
6 h 00 min
